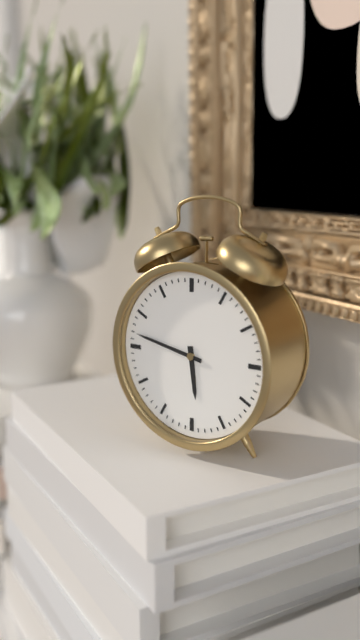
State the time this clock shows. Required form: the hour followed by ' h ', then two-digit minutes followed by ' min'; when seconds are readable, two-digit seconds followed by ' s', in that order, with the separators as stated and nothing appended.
5 h 47 min
